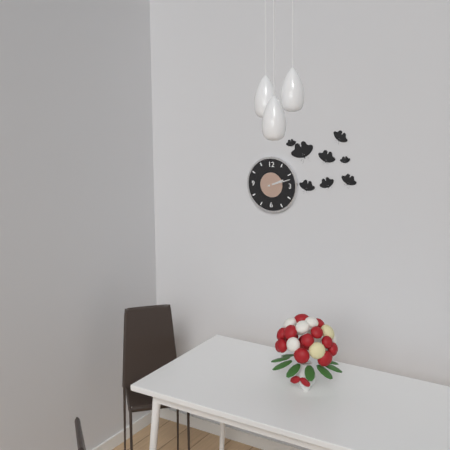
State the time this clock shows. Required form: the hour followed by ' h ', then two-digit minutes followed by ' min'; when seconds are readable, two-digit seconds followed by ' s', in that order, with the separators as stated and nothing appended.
2 h 12 min
